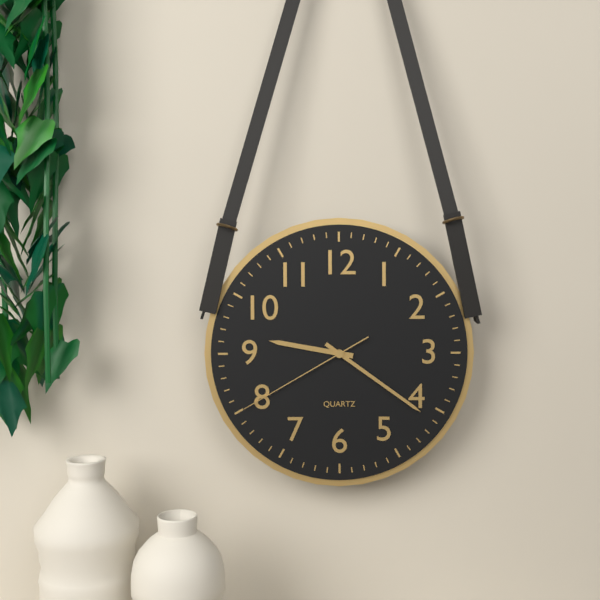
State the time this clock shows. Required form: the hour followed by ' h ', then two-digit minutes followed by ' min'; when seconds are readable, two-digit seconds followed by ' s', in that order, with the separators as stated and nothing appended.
9 h 21 min 40 s
